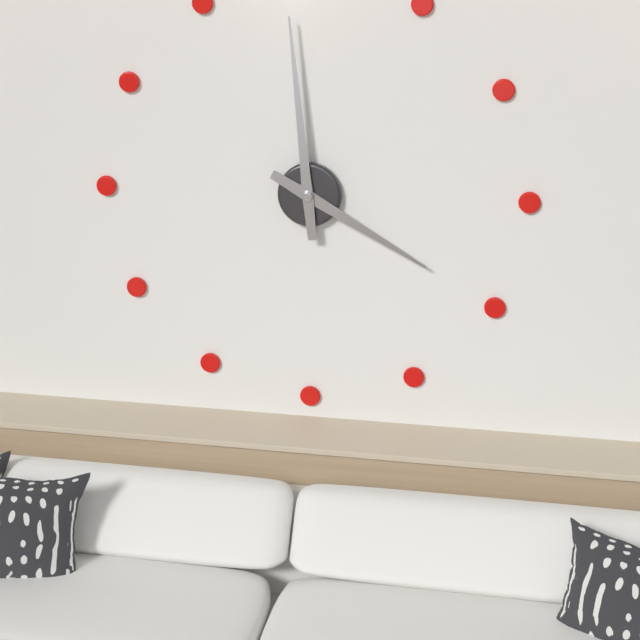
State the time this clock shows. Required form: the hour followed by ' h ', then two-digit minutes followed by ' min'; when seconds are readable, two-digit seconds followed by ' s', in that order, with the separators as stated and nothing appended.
3 h 59 min
